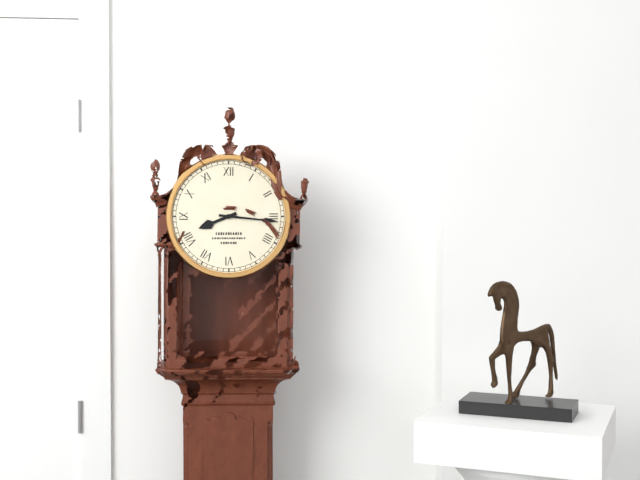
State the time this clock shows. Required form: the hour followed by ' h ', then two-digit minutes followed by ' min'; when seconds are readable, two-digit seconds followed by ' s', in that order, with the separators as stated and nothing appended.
8 h 16 min
